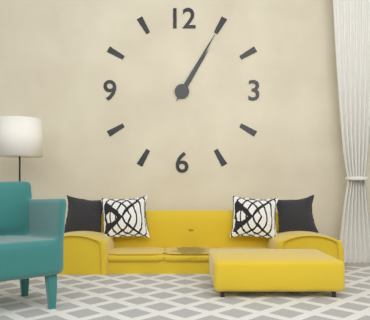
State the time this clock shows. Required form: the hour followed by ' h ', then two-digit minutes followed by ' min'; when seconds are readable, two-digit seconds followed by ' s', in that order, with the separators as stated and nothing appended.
1 h 05 min
